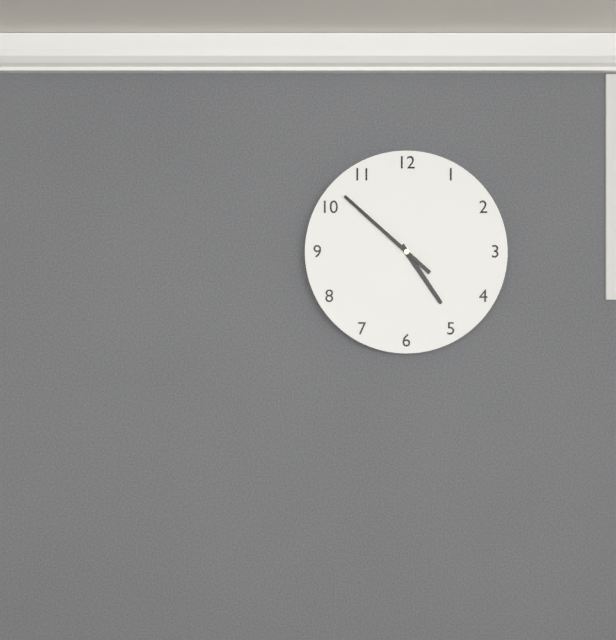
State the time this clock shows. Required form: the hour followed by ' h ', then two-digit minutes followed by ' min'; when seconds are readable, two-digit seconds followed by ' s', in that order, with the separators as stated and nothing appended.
4 h 52 min
